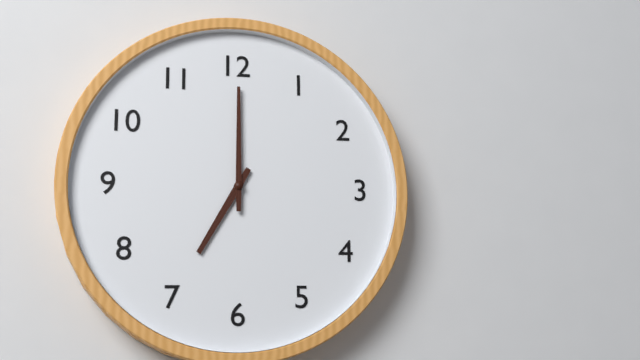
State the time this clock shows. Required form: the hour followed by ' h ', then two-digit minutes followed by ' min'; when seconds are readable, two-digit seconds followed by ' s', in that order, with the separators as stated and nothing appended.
7 h 00 min
